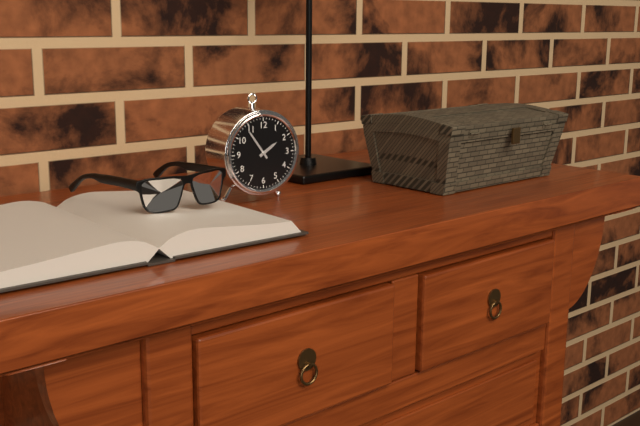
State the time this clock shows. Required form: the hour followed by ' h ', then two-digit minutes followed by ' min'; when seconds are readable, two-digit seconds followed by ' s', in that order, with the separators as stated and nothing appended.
1 h 54 min
